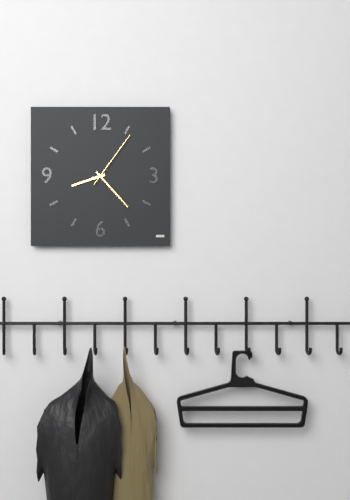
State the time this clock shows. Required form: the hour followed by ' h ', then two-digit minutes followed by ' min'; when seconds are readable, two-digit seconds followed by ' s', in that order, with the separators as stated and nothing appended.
8 h 23 min 06 s
